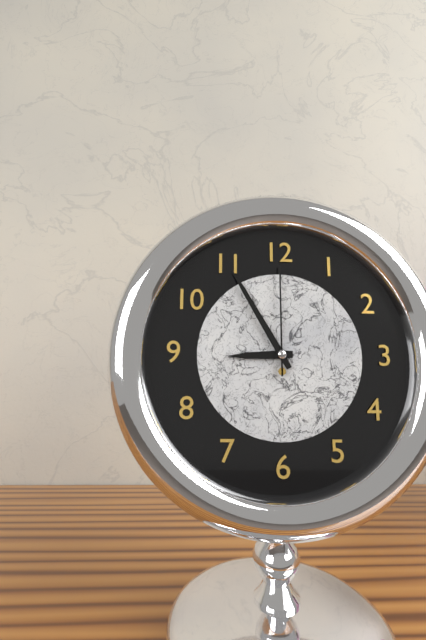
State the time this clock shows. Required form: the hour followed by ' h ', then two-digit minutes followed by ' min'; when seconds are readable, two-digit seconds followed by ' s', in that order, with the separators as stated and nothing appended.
8 h 55 min 00 s
